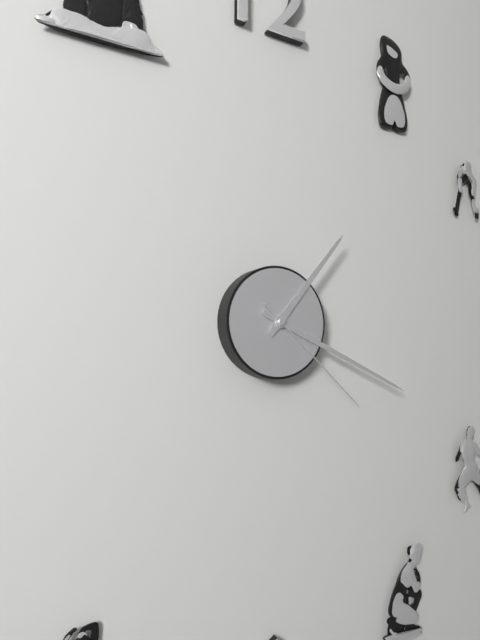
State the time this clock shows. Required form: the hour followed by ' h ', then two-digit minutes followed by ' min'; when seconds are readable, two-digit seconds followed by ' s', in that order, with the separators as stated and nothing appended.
1 h 19 min 22 s
